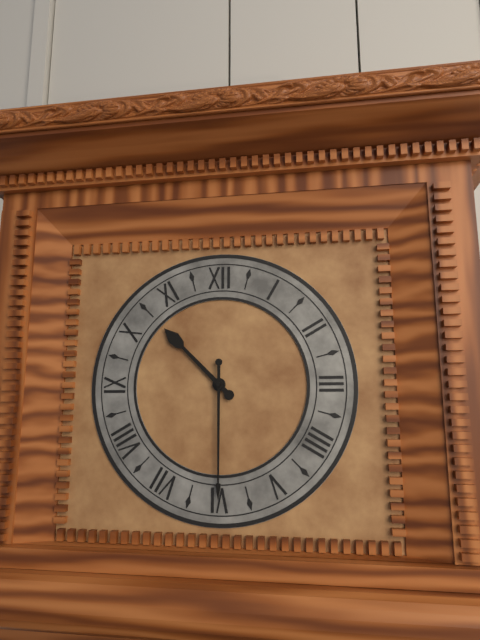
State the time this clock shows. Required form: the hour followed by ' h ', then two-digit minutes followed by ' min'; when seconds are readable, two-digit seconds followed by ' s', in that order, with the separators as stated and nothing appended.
10 h 30 min
